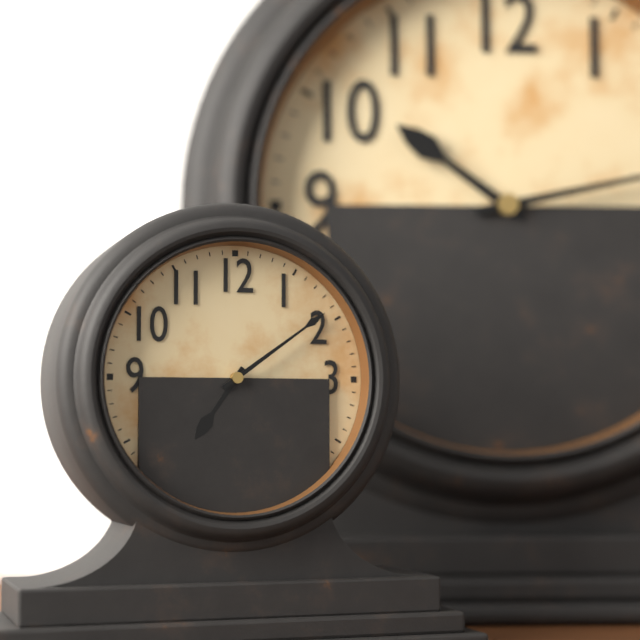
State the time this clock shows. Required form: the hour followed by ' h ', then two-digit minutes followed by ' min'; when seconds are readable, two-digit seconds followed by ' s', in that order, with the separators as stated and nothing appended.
7 h 09 min
